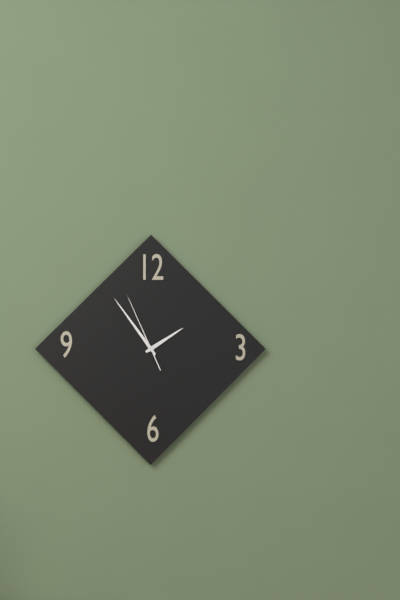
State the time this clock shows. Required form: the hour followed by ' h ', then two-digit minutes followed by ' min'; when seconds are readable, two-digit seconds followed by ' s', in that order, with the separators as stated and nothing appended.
1 h 54 min 56 s
